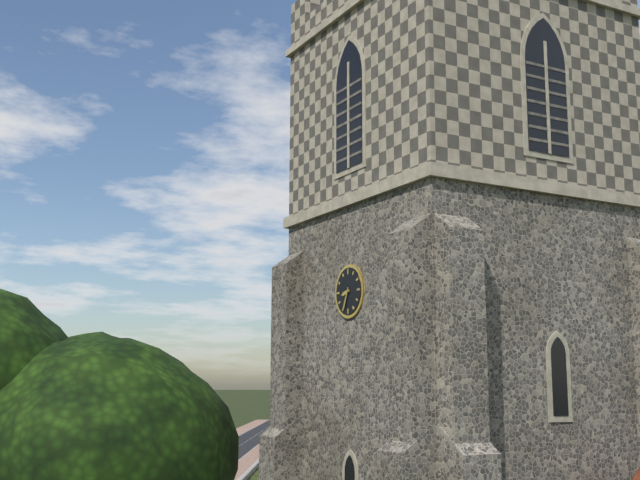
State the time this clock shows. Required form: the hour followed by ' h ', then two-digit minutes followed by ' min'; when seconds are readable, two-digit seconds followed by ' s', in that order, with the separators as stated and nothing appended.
8 h 34 min
